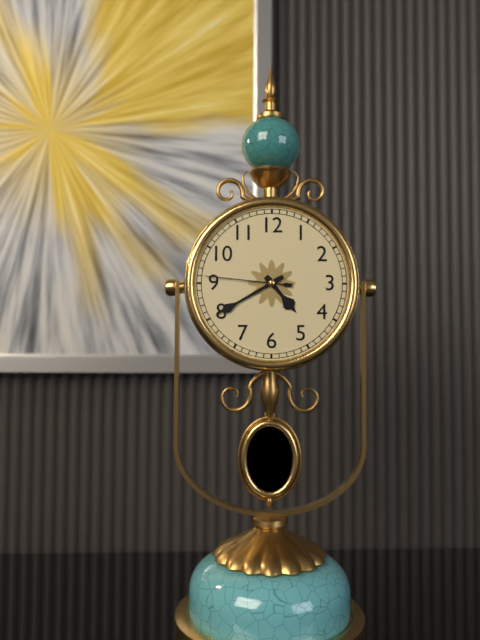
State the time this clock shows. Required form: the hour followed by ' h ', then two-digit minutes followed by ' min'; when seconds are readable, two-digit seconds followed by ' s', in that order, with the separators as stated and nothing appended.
4 h 40 min 46 s
